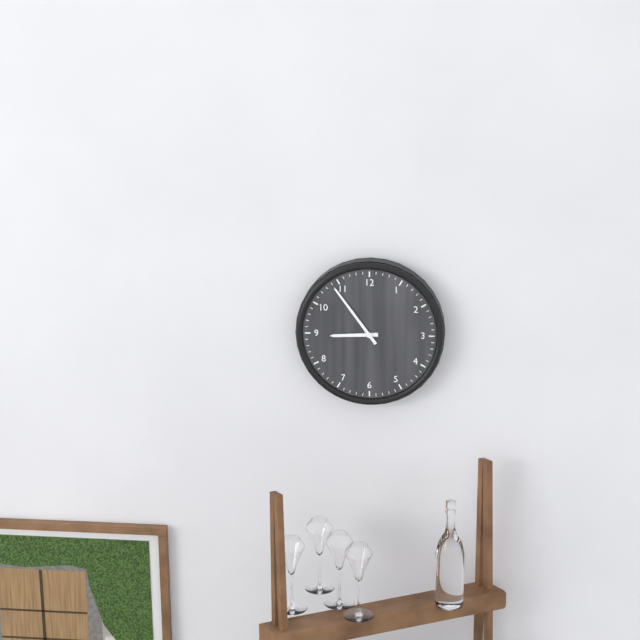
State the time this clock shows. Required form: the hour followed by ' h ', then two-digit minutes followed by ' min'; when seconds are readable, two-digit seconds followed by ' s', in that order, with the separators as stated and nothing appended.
8 h 54 min
